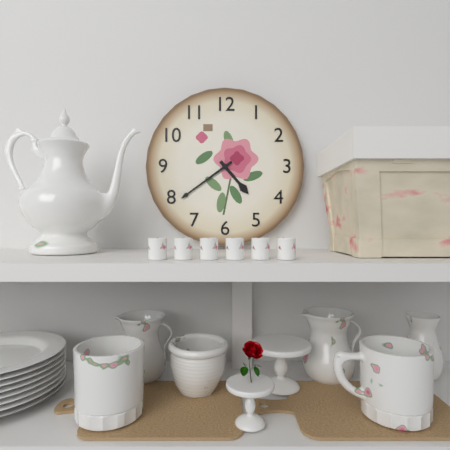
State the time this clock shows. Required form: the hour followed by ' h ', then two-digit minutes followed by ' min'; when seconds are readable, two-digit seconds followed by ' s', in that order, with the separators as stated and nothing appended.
4 h 39 min
